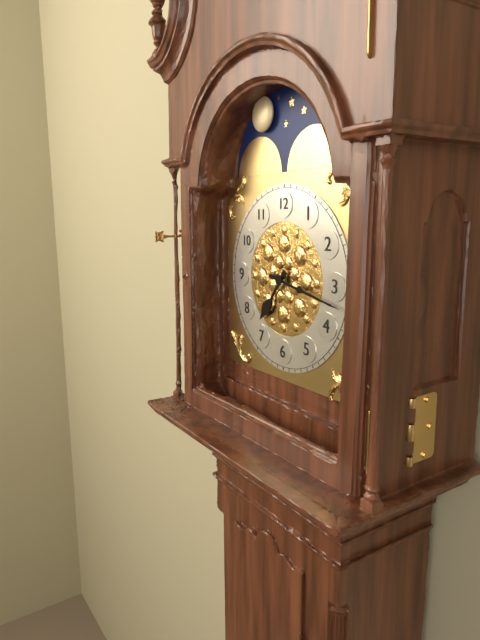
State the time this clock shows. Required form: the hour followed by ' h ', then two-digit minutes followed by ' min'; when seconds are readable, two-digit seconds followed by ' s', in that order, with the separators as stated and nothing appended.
7 h 17 min
